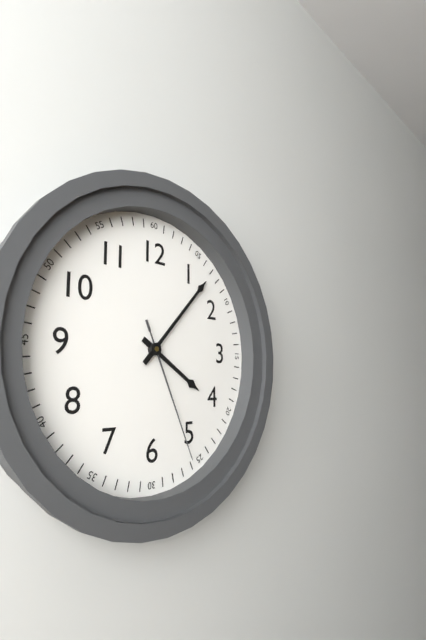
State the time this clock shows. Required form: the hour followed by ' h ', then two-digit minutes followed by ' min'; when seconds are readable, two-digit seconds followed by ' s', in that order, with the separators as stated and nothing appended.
4 h 07 min 26 s
